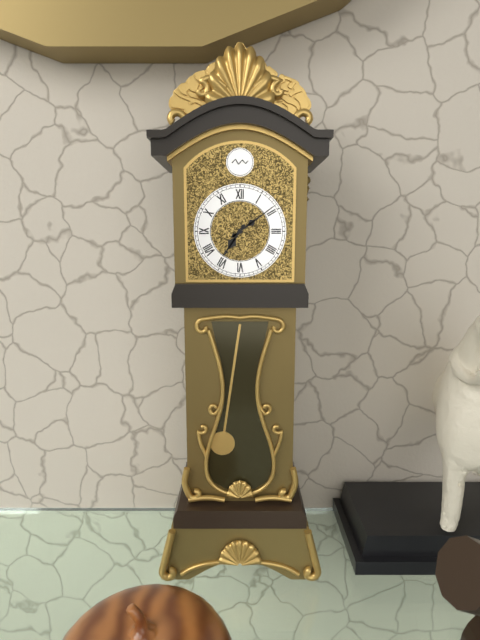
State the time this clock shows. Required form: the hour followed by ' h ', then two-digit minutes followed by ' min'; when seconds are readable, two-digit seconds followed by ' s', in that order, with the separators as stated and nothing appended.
7 h 09 min
